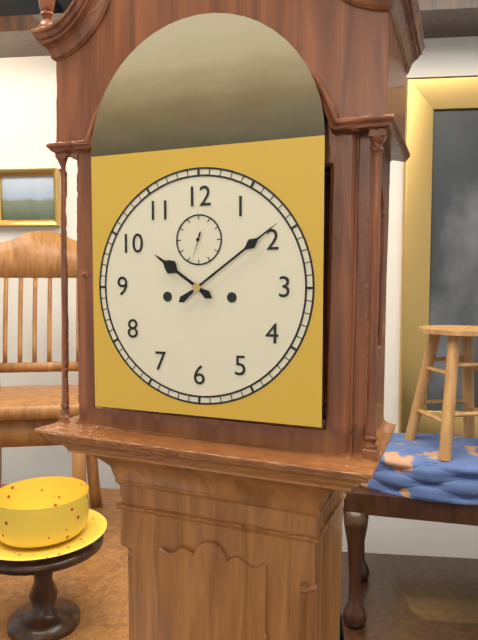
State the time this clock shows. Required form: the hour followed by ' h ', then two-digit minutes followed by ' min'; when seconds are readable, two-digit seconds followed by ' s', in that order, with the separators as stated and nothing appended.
10 h 09 min
